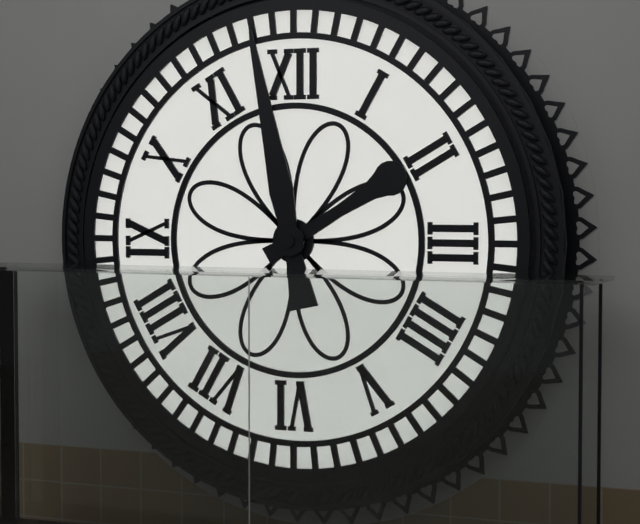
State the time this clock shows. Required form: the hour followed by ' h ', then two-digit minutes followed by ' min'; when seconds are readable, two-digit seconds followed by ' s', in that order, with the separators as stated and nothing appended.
1 h 58 min
